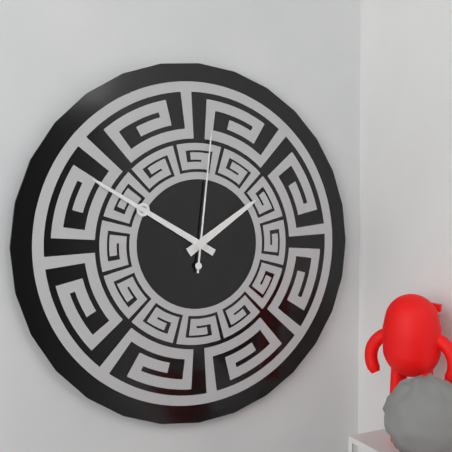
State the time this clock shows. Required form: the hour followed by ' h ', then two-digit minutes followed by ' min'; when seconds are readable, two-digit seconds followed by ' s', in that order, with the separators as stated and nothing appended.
1 h 50 min 01 s
